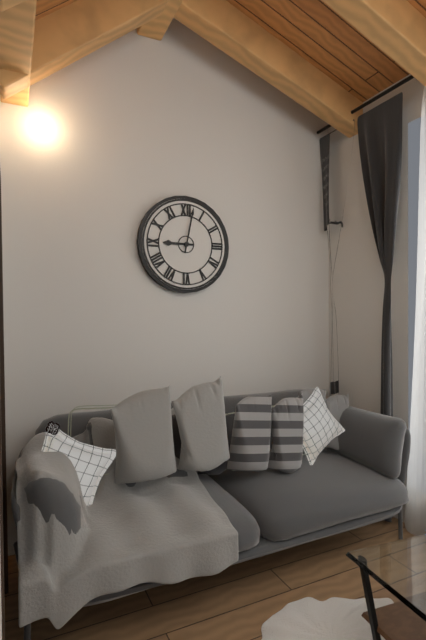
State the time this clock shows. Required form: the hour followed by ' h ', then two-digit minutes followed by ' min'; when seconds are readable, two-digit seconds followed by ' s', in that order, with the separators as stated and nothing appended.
9 h 02 min
